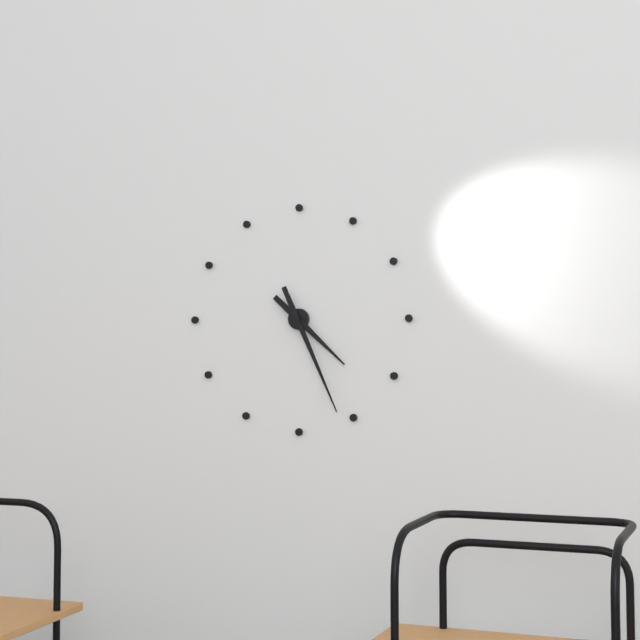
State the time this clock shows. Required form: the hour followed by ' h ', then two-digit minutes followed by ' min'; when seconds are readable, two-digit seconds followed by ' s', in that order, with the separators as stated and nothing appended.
4 h 26 min
